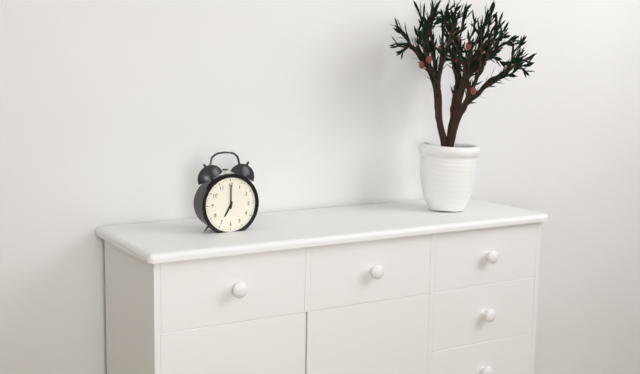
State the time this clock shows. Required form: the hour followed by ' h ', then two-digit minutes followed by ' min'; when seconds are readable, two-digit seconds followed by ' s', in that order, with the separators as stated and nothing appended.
7 h 00 min
